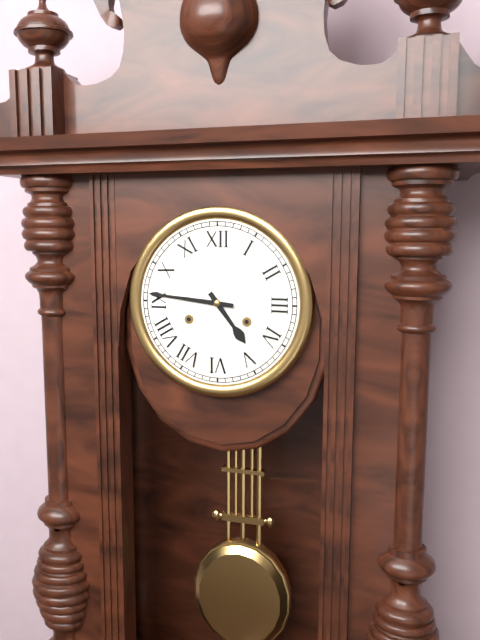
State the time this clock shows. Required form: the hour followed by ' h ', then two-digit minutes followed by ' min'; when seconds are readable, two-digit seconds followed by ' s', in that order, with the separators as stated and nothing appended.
4 h 46 min
